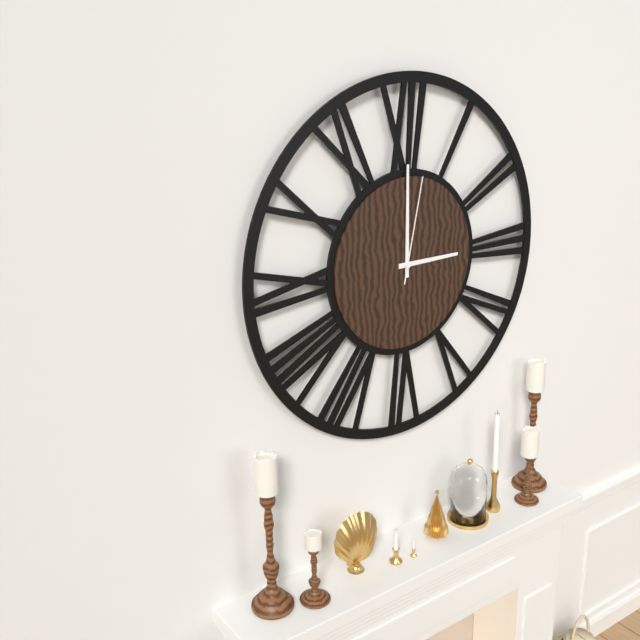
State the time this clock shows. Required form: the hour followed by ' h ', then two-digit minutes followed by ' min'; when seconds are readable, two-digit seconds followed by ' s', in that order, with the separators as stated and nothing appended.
3 h 00 min 02 s
